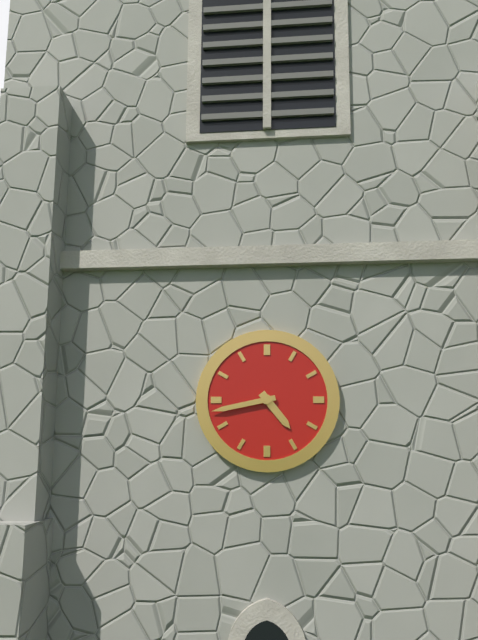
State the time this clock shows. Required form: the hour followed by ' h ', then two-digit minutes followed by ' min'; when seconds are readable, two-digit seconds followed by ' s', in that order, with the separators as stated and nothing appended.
4 h 43 min
